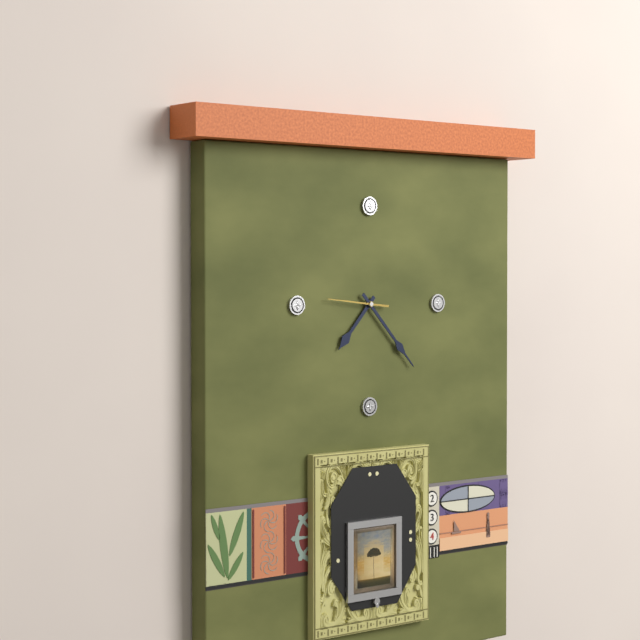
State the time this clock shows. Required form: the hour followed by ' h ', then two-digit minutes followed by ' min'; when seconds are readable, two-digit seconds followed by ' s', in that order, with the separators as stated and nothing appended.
7 h 23 min 46 s
